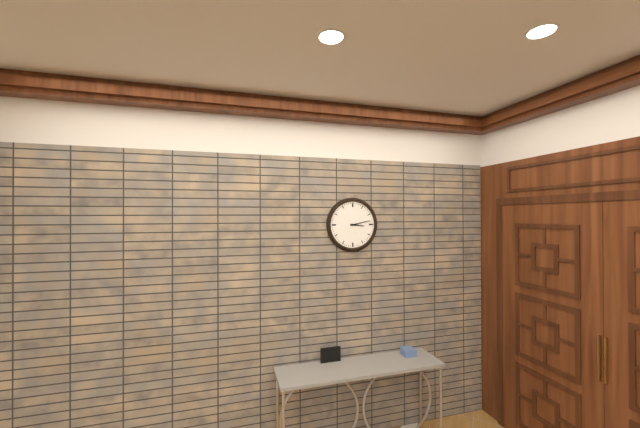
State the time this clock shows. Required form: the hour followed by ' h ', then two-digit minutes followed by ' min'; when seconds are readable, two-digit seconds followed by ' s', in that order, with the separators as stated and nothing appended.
3 h 13 min
